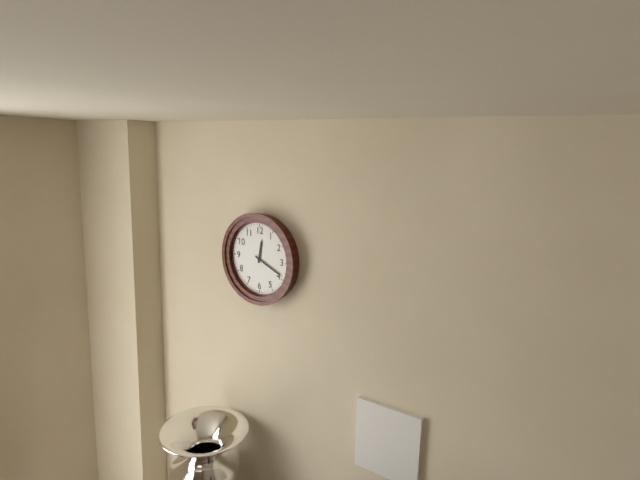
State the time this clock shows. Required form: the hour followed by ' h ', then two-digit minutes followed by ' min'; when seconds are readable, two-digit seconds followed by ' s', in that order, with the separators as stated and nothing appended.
12 h 19 min
